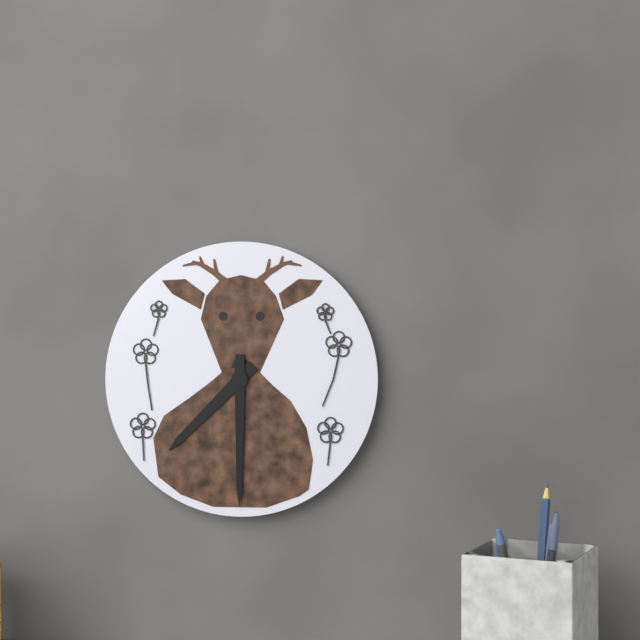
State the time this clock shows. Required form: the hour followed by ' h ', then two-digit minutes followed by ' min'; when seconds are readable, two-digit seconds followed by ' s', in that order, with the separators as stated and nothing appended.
7 h 30 min
